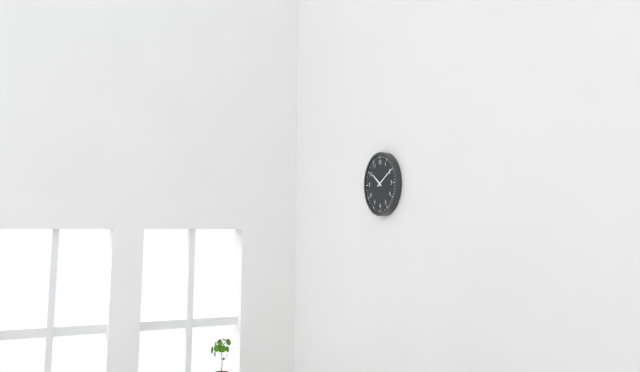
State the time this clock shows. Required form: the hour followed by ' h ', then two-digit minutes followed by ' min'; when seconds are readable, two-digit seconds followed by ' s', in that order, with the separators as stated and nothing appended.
10 h 10 min
